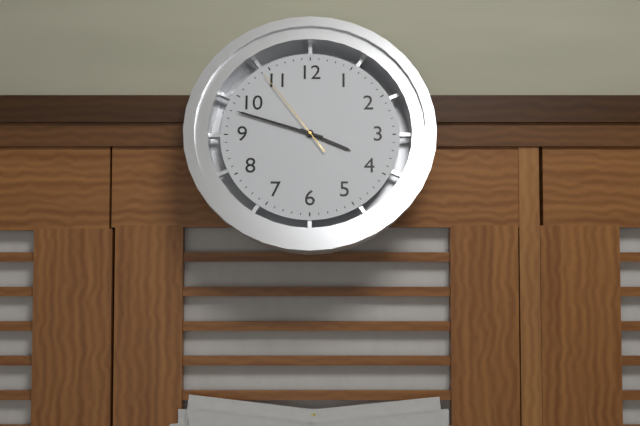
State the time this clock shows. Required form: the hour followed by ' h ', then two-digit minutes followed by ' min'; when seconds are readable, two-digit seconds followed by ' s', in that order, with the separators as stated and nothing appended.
3 h 48 min 54 s
